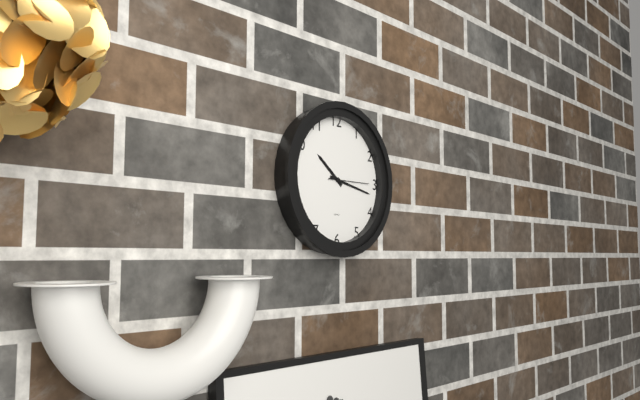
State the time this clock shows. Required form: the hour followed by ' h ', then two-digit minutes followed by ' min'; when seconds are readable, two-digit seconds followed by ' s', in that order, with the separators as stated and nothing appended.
10 h 17 min
